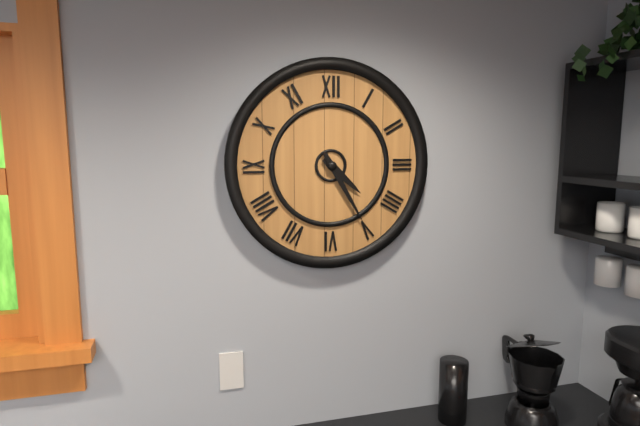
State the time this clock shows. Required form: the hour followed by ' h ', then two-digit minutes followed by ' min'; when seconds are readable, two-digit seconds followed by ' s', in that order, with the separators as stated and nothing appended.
4 h 25 min
